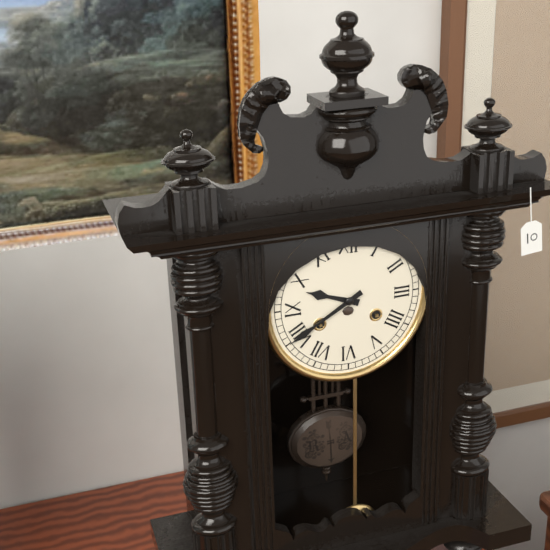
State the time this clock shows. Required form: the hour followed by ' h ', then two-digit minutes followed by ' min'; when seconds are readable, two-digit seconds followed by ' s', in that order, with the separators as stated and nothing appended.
9 h 40 min
